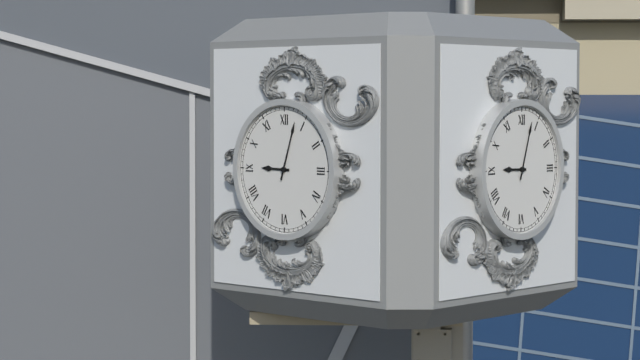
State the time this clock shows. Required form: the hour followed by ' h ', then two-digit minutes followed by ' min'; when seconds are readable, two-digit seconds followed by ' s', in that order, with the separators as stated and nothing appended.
9 h 03 min
